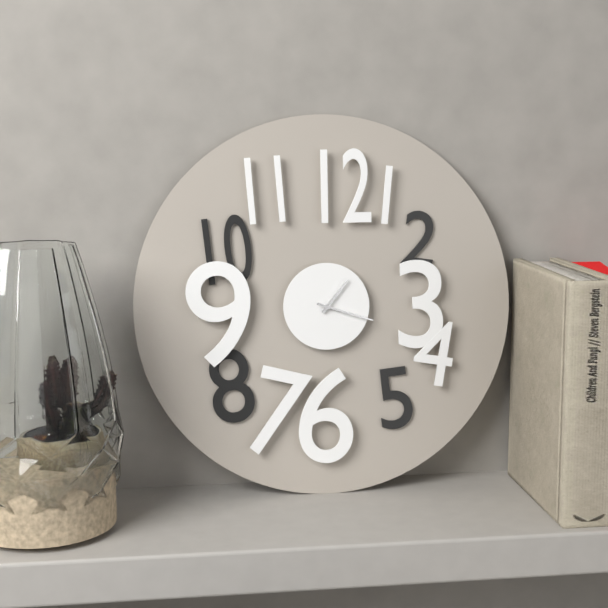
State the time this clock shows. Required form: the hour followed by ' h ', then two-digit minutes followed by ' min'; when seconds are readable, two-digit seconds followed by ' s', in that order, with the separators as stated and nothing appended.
1 h 18 min
